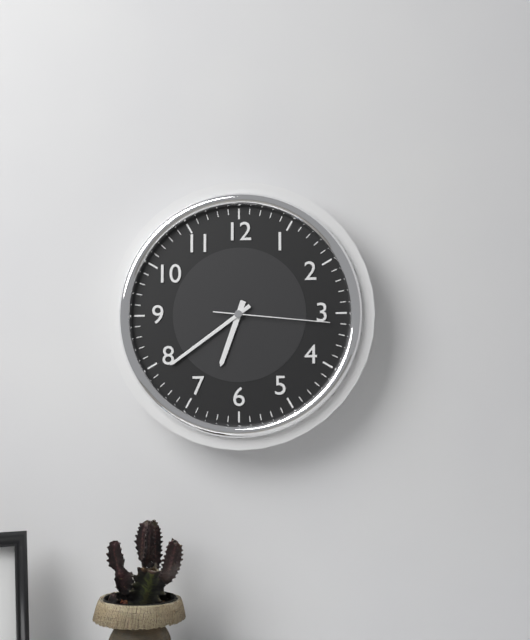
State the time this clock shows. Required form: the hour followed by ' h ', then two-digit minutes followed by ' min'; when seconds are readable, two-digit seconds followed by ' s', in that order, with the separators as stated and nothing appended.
6 h 39 min 16 s
